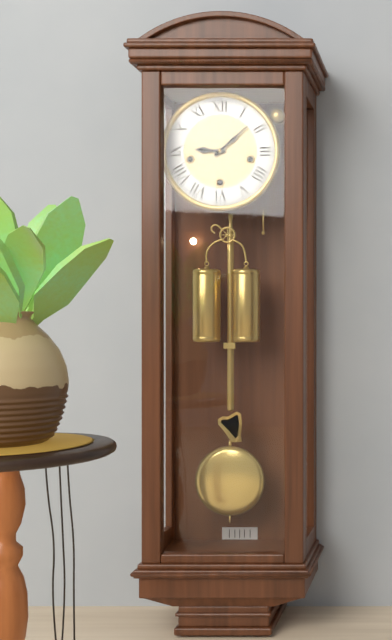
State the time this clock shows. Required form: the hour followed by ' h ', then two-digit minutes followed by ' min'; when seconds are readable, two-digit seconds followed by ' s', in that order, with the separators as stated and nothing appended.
9 h 08 min
